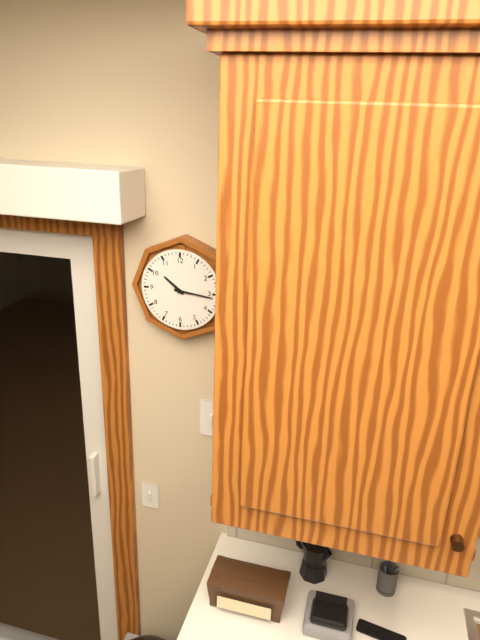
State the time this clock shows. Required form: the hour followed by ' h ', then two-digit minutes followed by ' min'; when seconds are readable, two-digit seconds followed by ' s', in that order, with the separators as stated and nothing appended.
10 h 16 min
